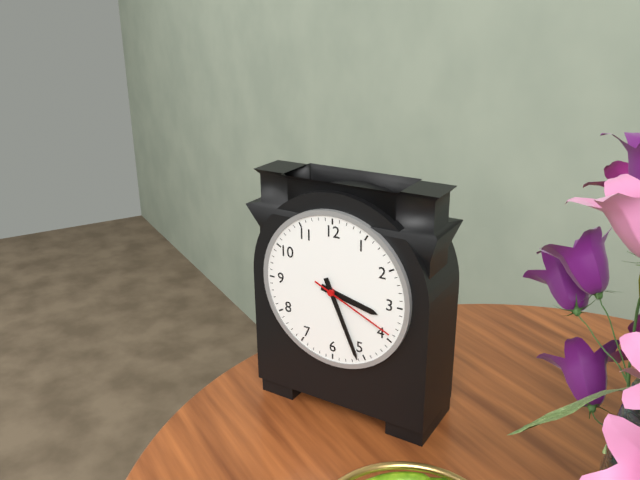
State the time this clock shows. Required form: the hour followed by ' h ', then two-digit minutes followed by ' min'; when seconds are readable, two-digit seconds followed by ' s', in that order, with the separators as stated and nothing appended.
3 h 26 min 19 s
